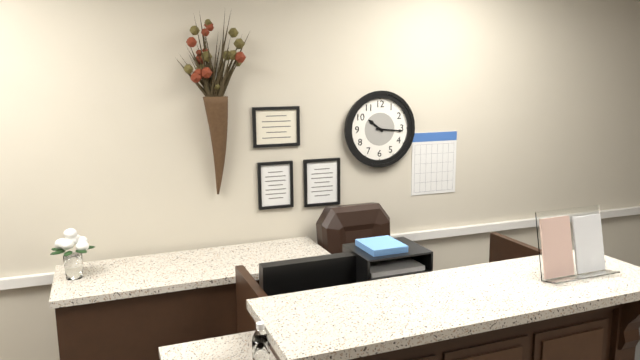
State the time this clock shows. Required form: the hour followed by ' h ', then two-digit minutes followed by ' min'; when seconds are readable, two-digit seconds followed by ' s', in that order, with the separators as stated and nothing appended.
10 h 16 min
